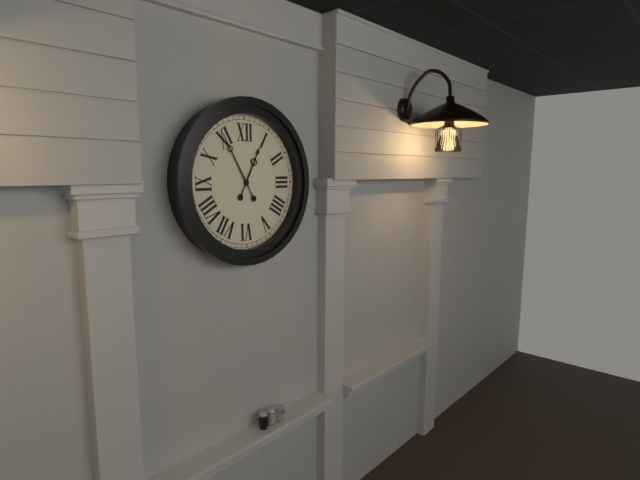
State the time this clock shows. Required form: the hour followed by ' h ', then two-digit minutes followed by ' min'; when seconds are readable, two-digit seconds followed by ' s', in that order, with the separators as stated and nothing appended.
12 h 55 min
